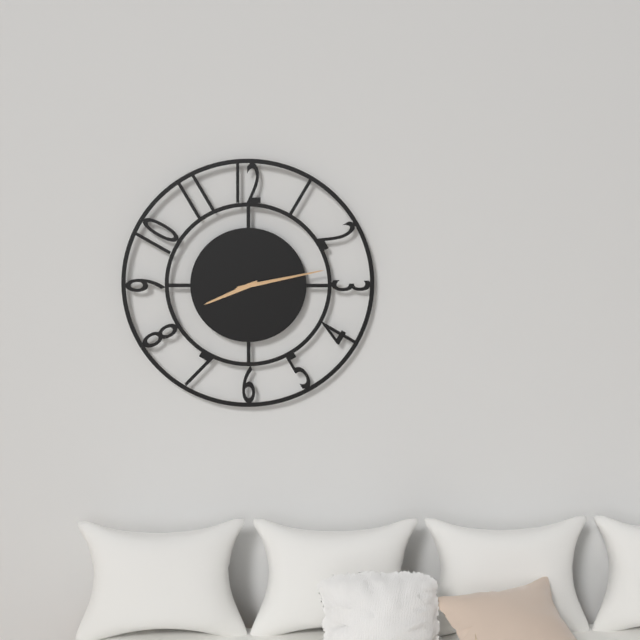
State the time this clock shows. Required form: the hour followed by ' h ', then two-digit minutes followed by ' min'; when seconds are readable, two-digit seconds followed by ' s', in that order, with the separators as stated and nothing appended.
8 h 13 min 13 s
